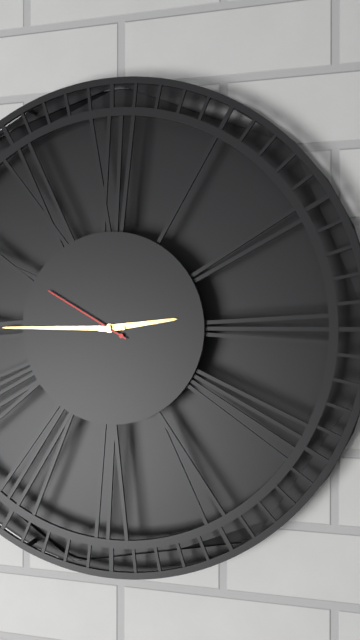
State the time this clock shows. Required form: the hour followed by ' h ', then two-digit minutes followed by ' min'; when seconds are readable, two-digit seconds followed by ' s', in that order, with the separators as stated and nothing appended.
2 h 45 min 50 s
